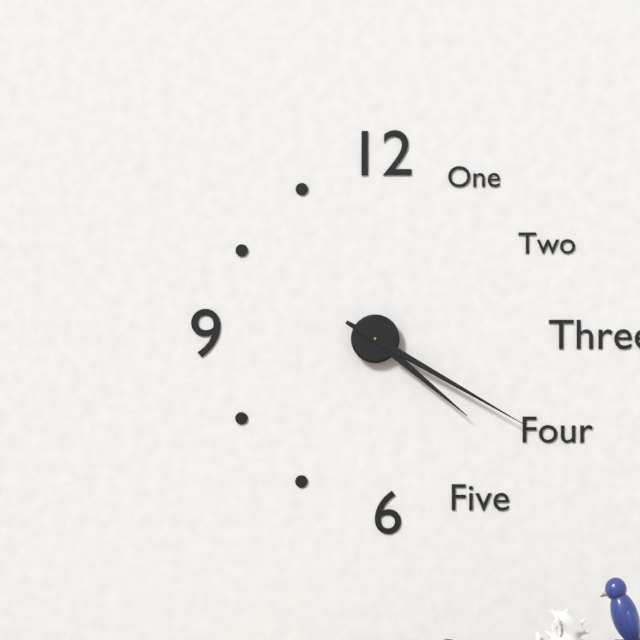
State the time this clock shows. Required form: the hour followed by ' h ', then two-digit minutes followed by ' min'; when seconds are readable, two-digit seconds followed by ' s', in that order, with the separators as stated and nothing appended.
4 h 20 min
